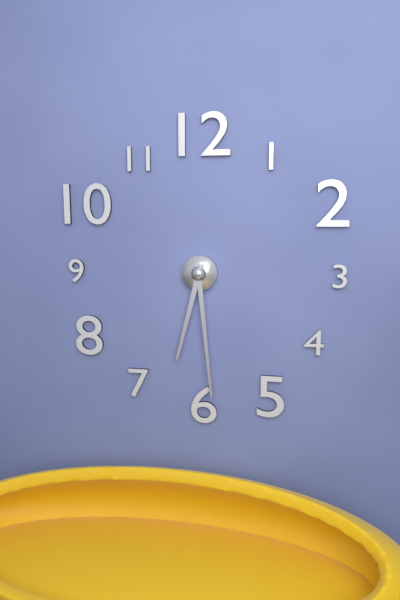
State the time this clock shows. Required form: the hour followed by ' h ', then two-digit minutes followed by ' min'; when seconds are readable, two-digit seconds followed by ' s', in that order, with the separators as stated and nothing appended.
6 h 29 min
